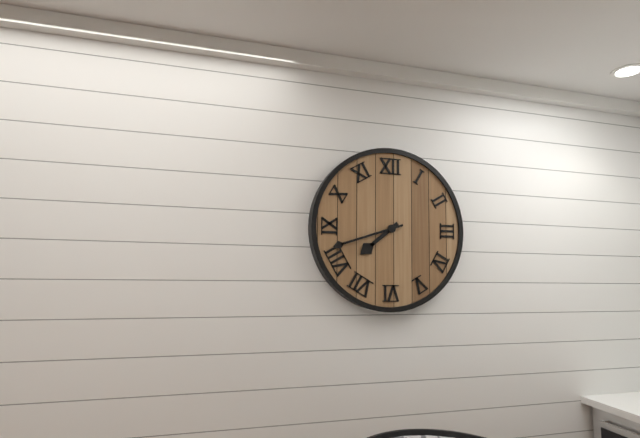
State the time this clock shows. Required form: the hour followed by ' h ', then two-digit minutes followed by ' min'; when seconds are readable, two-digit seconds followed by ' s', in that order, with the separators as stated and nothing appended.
7 h 42 min
